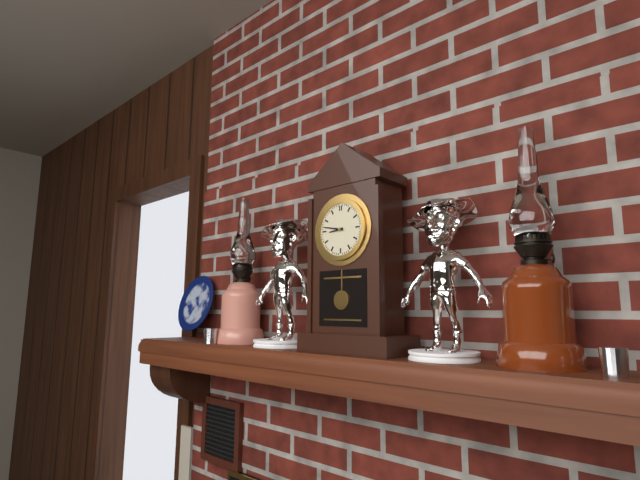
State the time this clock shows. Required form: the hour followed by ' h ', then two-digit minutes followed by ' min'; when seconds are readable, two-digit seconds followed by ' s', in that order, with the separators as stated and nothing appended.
8 h 47 min
